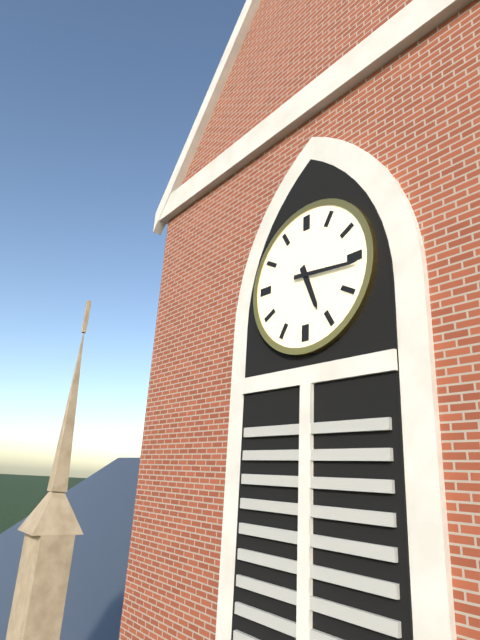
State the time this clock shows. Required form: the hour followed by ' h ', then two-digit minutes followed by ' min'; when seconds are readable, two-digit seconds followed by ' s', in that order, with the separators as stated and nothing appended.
5 h 16 min
